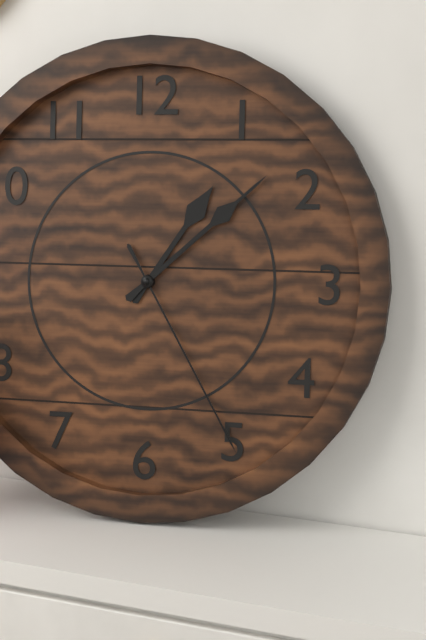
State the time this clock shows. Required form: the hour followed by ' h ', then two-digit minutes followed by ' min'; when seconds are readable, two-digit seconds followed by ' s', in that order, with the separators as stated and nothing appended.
1 h 08 min 25 s
